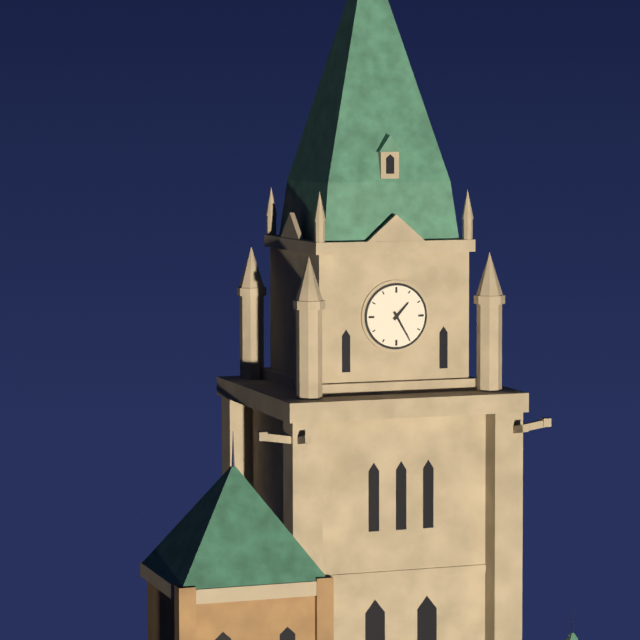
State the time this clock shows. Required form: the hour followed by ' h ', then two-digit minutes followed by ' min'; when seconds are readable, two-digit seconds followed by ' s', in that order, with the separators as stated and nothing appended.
1 h 25 min
